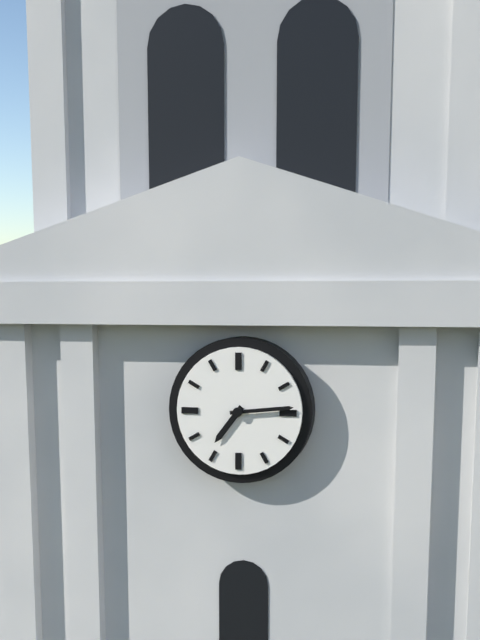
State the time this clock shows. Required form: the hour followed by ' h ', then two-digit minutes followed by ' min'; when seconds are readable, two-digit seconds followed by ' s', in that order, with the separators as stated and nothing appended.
7 h 14 min
